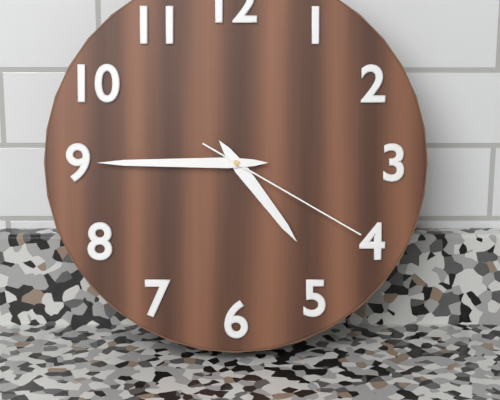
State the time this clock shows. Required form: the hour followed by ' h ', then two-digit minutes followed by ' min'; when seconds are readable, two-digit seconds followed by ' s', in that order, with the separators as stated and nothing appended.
4 h 45 min 20 s
